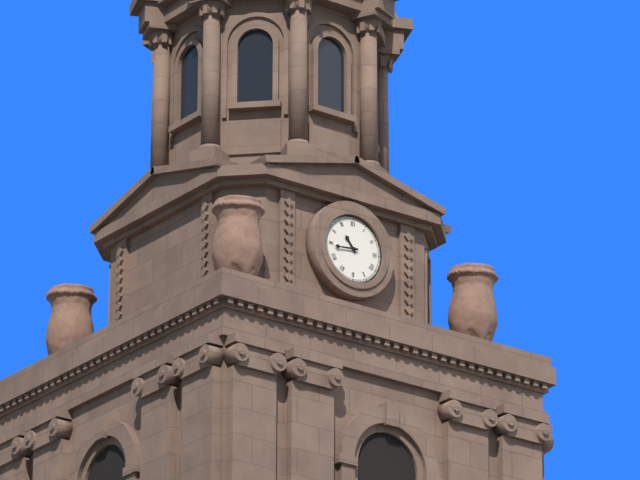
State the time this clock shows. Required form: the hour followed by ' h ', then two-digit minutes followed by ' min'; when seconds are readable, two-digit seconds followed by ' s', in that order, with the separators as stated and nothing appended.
10 h 44 min
